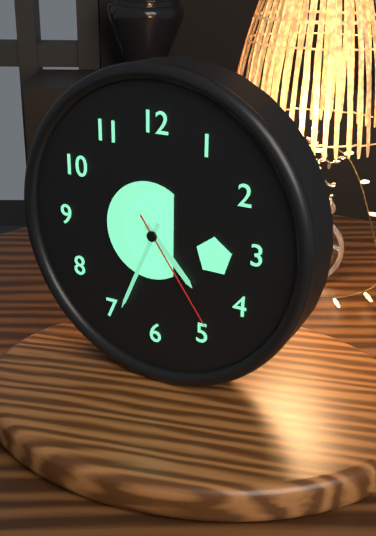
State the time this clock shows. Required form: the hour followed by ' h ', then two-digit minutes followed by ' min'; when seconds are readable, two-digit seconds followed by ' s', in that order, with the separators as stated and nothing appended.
4 h 34 min 24 s
